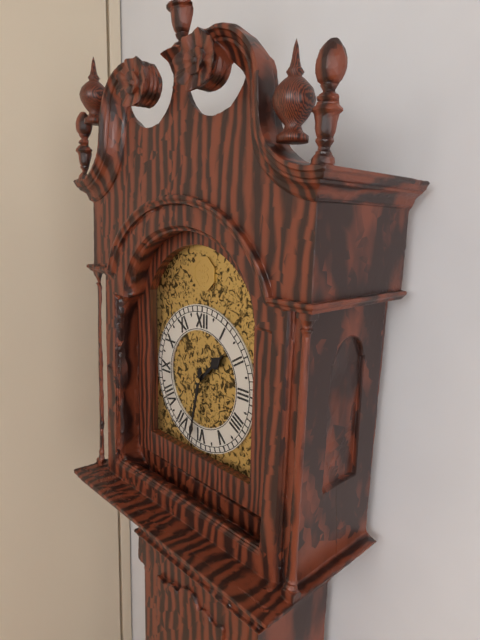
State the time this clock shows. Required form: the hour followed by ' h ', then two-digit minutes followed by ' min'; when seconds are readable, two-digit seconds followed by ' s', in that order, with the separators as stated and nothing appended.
1 h 32 min
